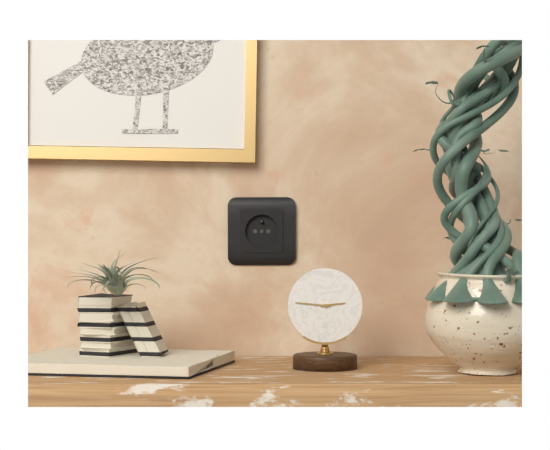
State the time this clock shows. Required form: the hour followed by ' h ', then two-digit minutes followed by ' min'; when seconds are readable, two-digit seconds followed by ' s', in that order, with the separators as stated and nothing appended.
2 h 46 min
